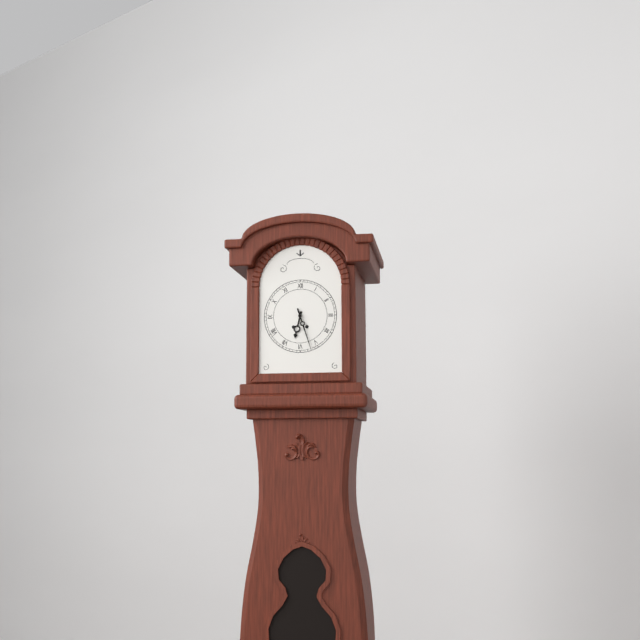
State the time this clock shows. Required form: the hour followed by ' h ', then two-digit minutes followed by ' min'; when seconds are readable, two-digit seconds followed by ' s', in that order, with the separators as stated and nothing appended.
6 h 27 min
